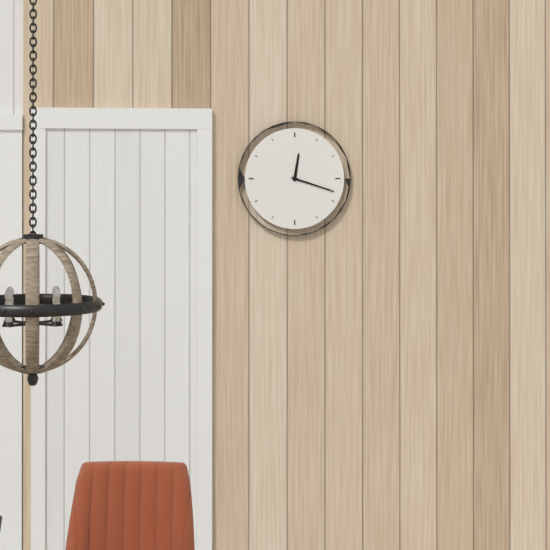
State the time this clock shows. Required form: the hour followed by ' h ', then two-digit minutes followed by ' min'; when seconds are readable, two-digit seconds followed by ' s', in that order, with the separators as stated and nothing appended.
12 h 18 min
